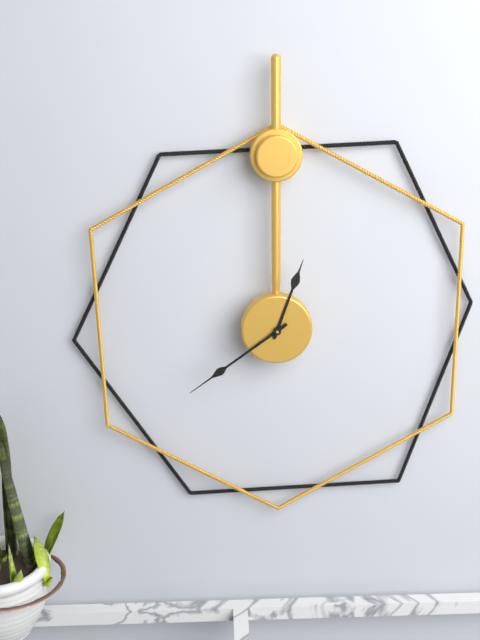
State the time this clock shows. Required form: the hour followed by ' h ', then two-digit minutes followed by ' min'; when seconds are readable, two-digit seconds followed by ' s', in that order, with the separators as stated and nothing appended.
12 h 39 min
